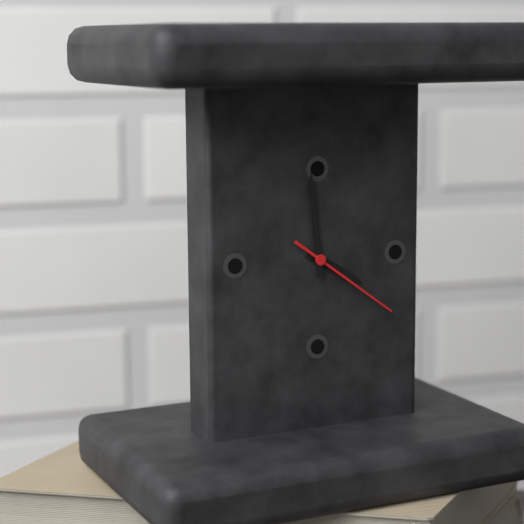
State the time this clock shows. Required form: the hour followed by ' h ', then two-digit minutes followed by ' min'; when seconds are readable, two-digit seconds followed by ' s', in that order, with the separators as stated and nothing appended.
3 h 59 min 21 s
